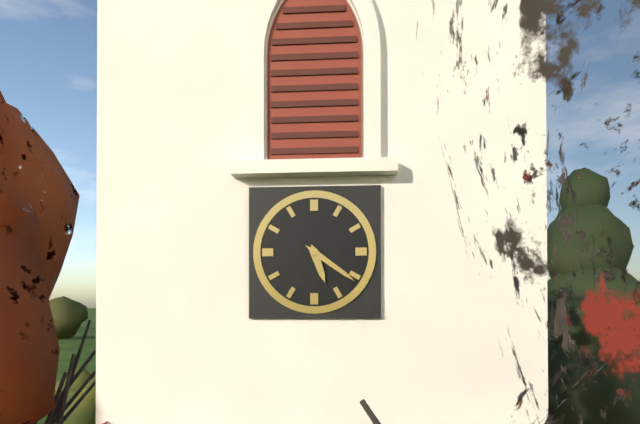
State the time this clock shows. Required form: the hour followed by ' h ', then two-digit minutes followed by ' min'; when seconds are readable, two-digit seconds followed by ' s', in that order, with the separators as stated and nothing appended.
5 h 21 min
